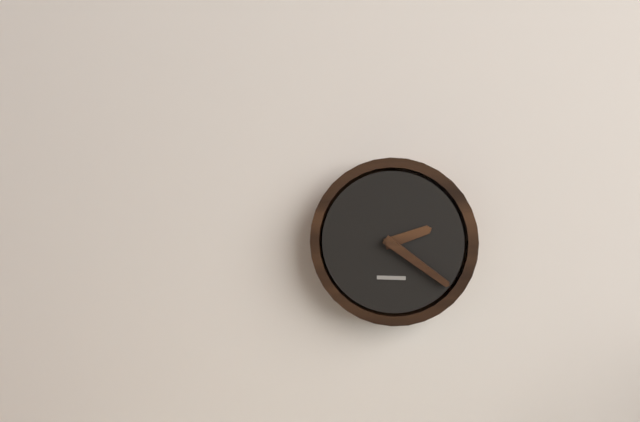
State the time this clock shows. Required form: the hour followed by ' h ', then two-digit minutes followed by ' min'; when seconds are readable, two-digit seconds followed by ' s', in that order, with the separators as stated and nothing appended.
2 h 21 min
